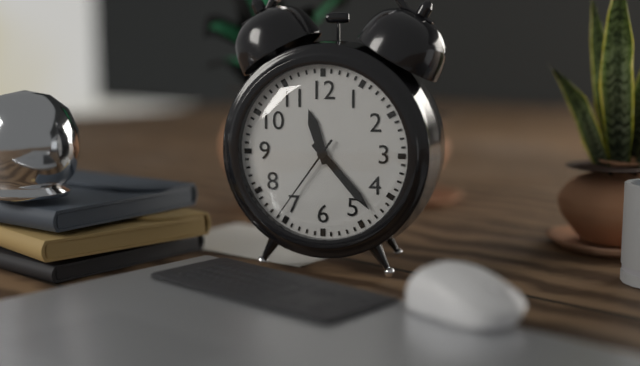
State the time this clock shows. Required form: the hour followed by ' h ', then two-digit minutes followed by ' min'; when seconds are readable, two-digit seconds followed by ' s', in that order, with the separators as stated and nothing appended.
11 h 23 min 36 s
